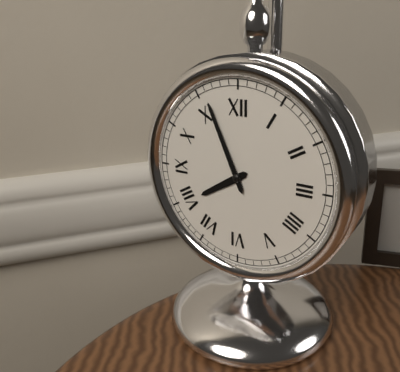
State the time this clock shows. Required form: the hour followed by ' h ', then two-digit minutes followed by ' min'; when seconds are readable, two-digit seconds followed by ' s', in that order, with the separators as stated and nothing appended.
7 h 56 min
